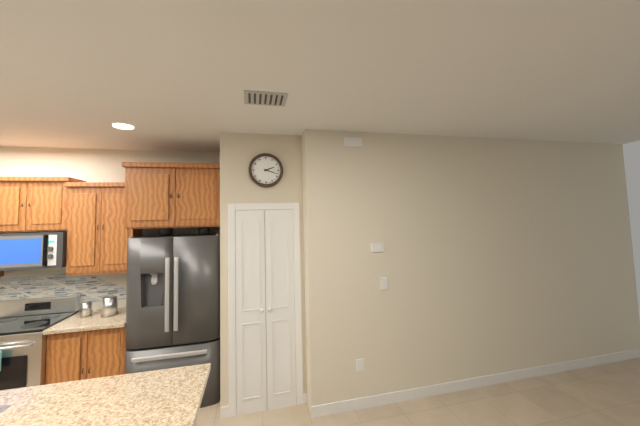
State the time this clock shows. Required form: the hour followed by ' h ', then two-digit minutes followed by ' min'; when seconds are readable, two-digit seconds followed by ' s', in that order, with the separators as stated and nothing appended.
2 h 18 min
